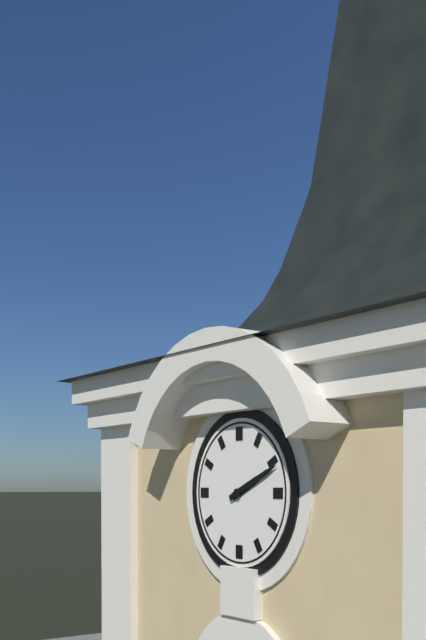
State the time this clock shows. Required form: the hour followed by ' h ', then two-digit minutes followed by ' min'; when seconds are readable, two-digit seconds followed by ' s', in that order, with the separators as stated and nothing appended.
2 h 11 min
